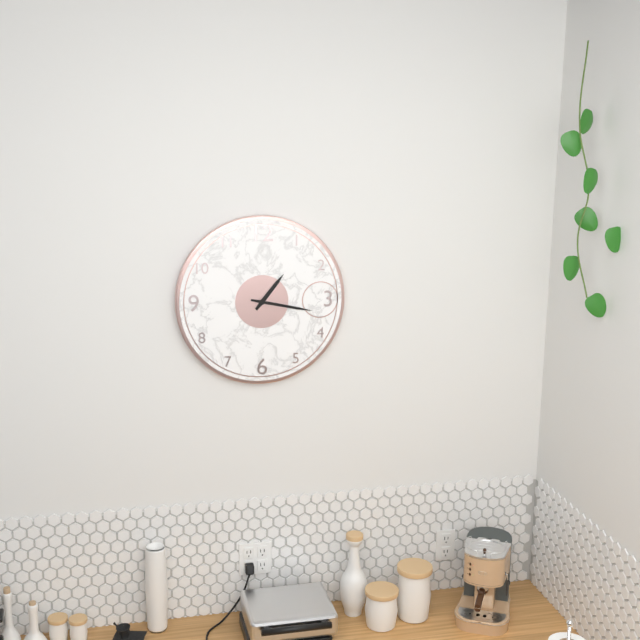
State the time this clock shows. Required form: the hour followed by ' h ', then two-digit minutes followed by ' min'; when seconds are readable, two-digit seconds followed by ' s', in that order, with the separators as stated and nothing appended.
1 h 17 min
